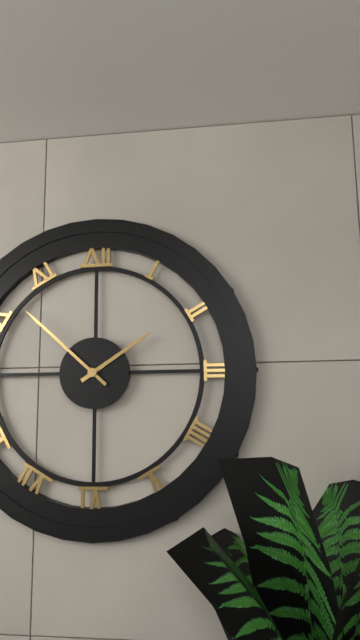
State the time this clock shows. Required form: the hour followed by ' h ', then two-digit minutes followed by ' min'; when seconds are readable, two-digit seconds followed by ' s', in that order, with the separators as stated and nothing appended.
1 h 52 min
